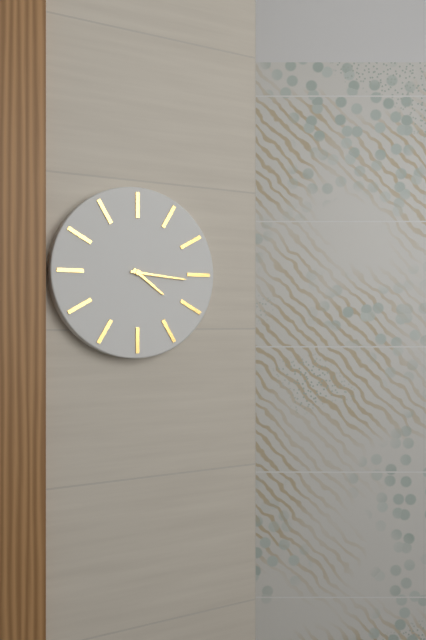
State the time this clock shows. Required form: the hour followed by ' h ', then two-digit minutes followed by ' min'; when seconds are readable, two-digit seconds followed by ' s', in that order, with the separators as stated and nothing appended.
4 h 16 min
